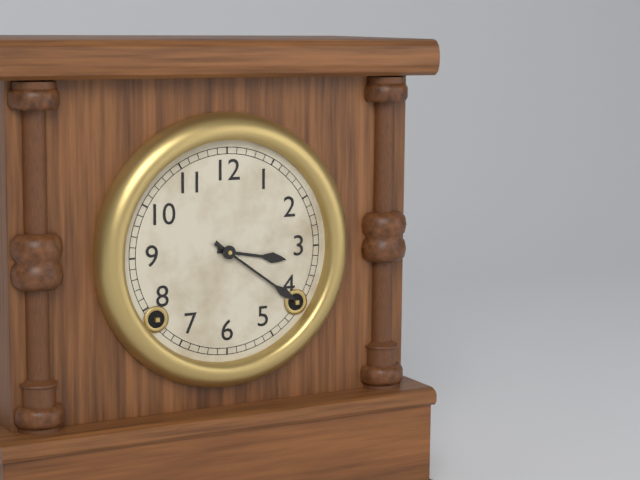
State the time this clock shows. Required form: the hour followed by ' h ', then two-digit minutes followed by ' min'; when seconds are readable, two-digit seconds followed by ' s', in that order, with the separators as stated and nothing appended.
3 h 21 min
